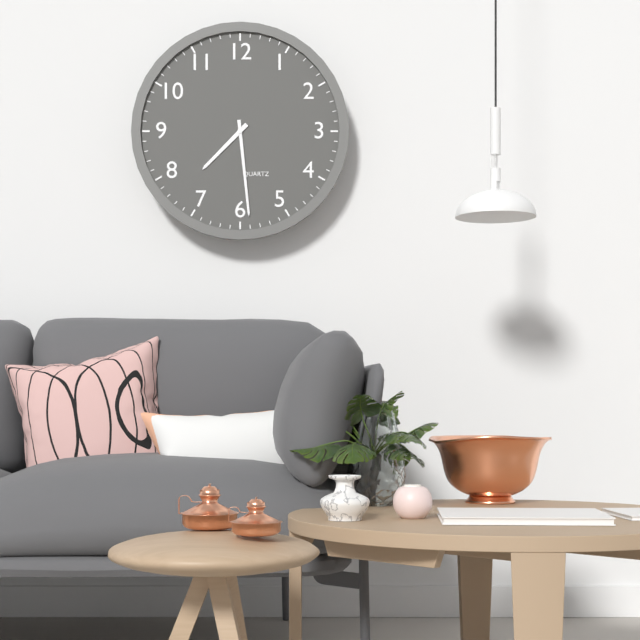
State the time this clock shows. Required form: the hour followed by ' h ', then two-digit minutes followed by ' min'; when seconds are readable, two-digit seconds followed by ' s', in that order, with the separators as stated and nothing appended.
7 h 29 min
